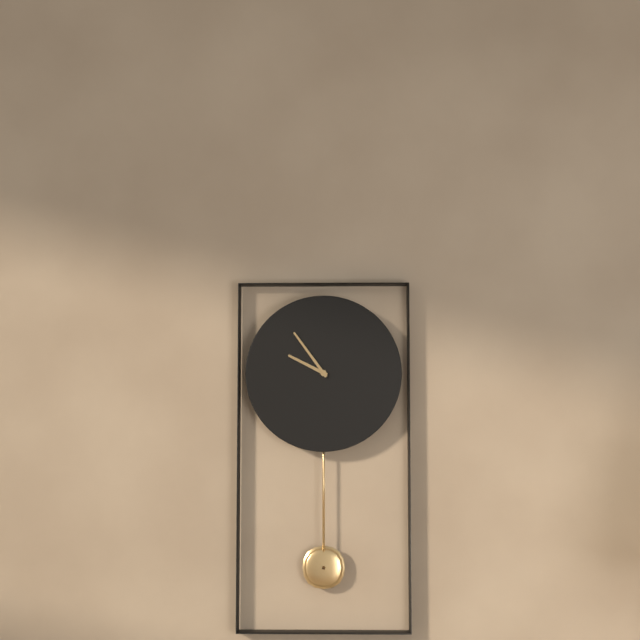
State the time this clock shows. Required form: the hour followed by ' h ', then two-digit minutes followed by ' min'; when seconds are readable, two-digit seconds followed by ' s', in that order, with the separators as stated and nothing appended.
9 h 54 min
